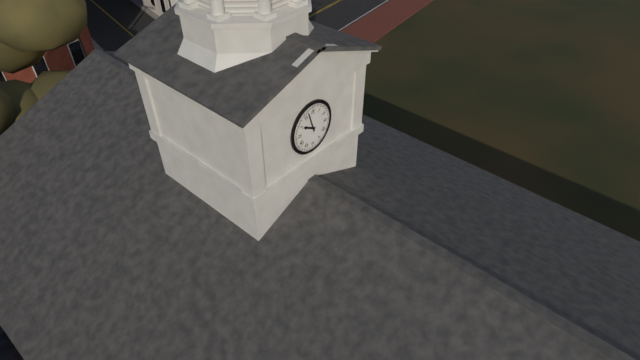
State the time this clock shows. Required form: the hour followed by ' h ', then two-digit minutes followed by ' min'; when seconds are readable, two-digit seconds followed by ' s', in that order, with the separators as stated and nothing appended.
9 h 57 min
